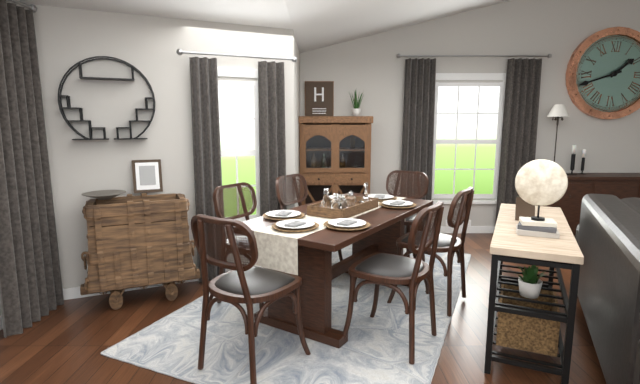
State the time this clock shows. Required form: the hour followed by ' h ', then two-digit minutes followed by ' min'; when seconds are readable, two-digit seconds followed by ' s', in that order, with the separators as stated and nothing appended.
1 h 42 min
